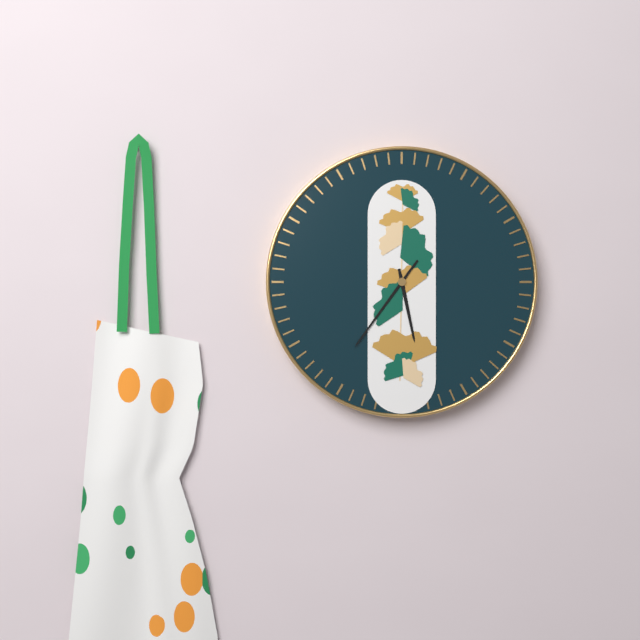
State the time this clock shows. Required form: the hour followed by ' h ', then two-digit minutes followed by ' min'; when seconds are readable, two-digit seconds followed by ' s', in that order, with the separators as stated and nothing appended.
5 h 36 min
